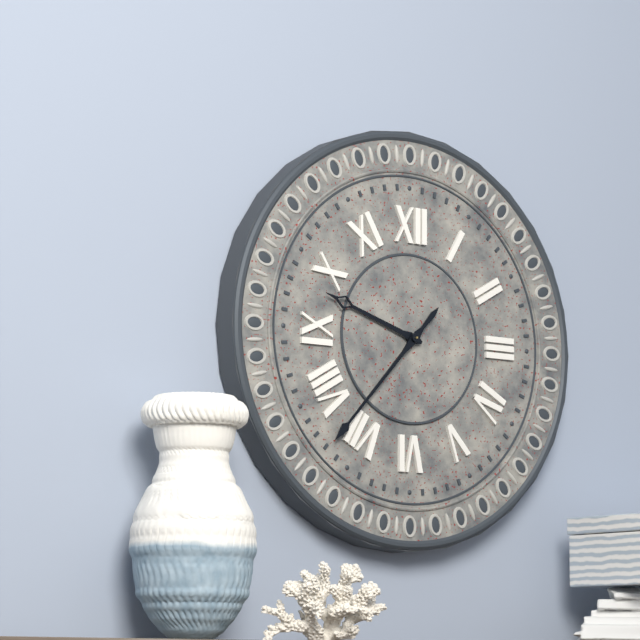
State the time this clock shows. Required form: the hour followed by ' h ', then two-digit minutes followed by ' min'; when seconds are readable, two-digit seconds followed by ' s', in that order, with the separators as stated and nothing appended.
9 h 37 min
